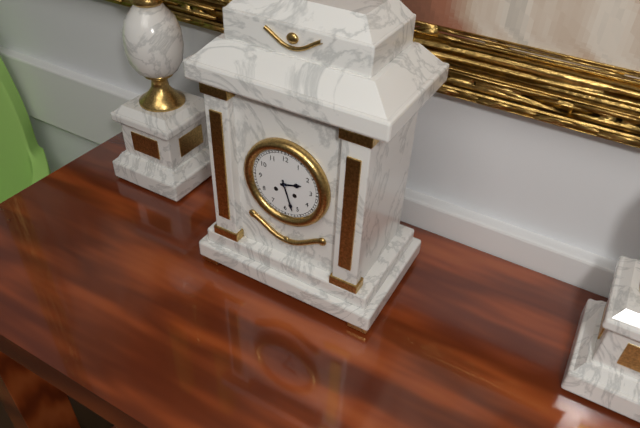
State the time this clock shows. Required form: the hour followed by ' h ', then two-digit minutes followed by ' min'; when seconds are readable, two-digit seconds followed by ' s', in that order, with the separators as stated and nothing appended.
2 h 27 min
